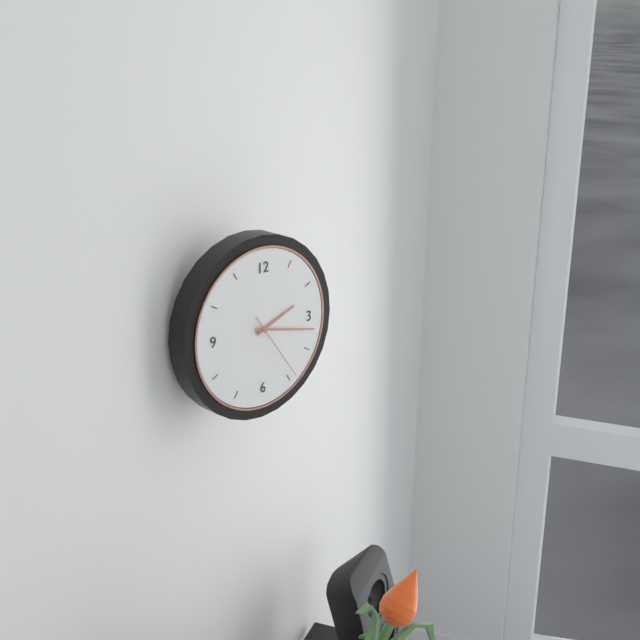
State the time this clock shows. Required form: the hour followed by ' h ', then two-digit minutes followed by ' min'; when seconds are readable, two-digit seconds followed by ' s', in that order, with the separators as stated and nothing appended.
2 h 17 min 24 s
